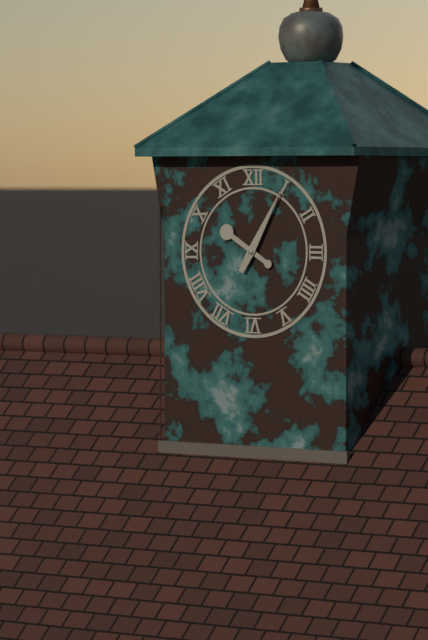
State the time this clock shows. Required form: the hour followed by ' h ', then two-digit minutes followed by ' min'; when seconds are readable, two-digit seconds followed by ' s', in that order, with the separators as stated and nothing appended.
10 h 05 min
